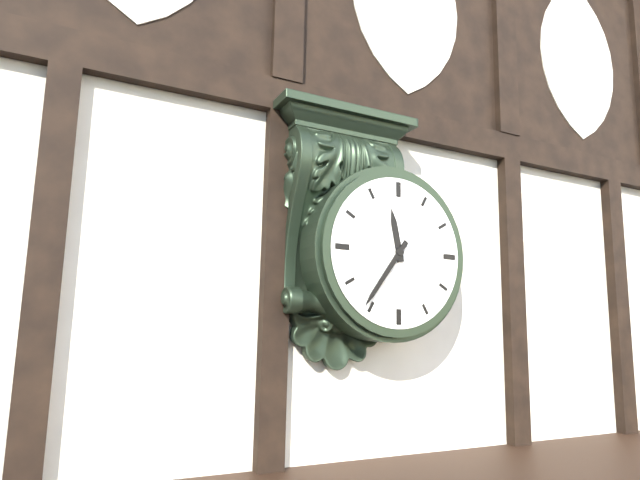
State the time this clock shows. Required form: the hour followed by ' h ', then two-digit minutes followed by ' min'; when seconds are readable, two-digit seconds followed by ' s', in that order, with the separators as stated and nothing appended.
11 h 36 min
